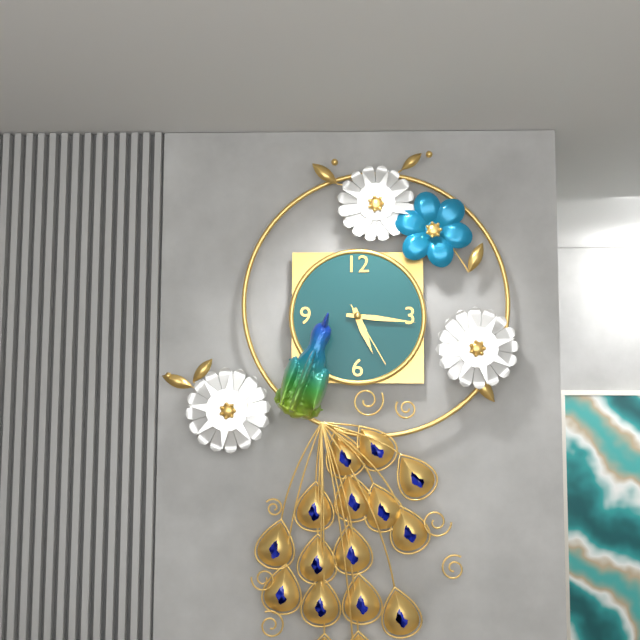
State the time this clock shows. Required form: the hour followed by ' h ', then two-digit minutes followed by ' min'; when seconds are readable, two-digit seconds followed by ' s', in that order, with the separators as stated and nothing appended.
5 h 16 min 25 s
